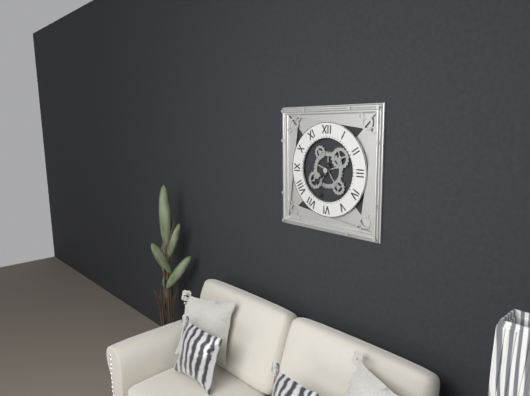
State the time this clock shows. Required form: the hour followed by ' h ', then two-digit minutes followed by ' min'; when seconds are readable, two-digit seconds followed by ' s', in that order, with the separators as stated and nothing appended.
7 h 33 min
